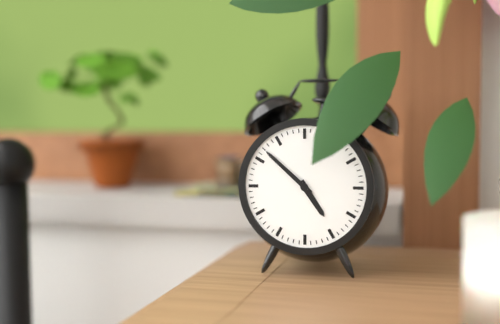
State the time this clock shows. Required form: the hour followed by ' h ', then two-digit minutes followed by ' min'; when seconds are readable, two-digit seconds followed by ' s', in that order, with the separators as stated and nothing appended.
4 h 52 min
